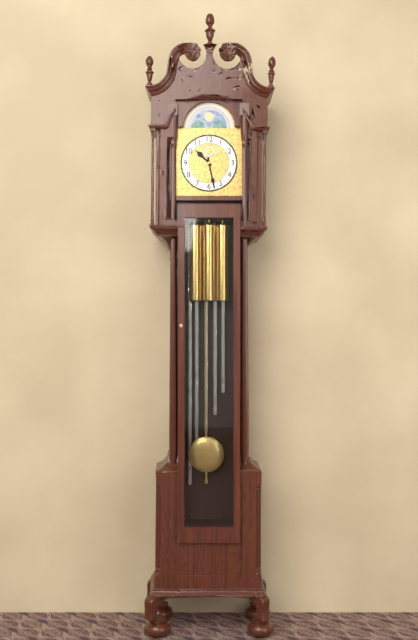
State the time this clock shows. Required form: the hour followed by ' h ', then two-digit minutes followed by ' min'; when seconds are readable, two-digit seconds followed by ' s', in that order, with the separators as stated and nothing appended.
10 h 28 min
